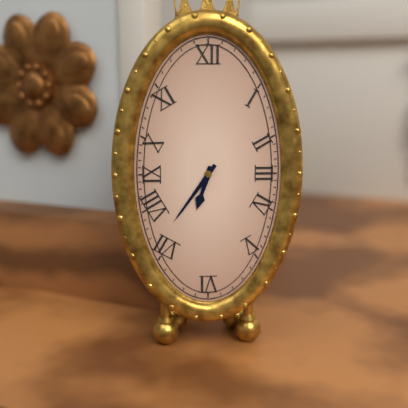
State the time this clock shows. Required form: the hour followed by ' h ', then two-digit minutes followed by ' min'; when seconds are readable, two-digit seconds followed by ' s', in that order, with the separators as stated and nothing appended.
6 h 36 min
